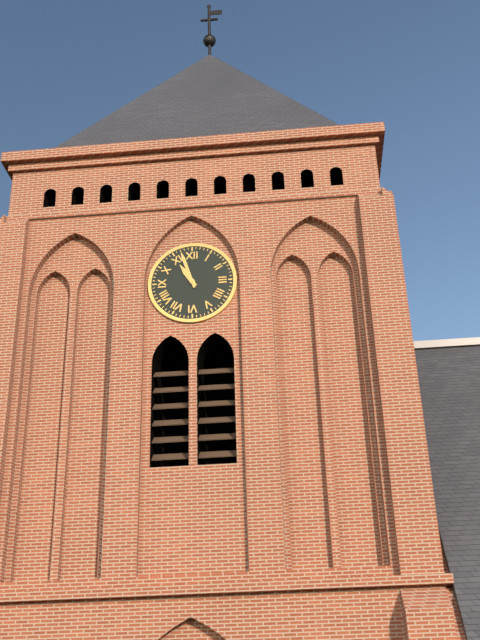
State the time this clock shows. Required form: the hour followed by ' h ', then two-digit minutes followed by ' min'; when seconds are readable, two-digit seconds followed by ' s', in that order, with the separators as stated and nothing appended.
10 h 57 min
